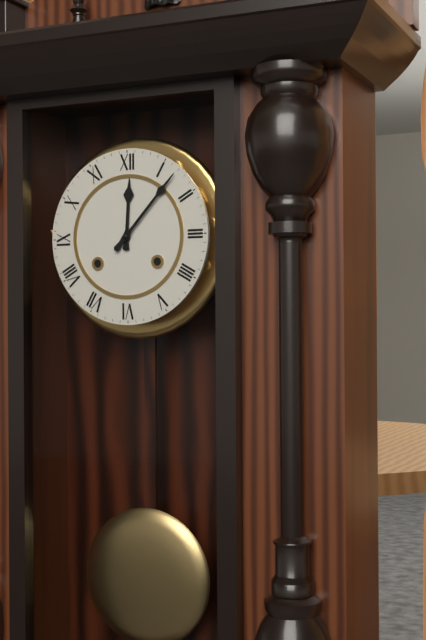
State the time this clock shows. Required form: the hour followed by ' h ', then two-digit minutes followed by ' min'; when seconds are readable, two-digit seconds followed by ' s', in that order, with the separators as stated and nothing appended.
12 h 07 min
